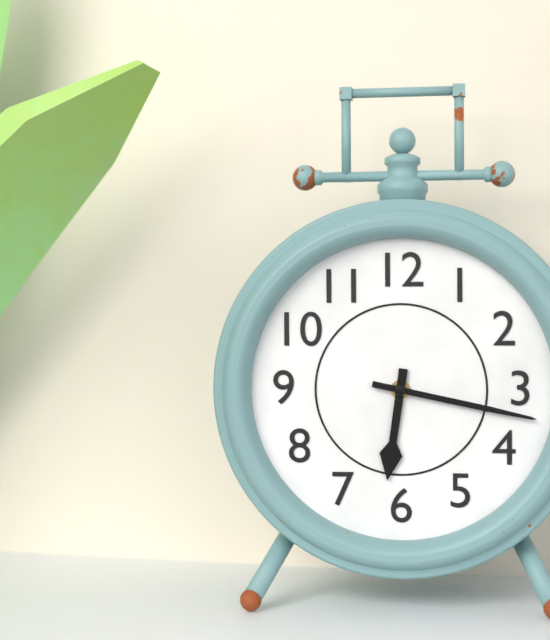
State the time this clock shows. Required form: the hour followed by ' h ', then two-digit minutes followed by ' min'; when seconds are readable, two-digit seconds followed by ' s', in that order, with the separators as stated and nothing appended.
6 h 17 min
